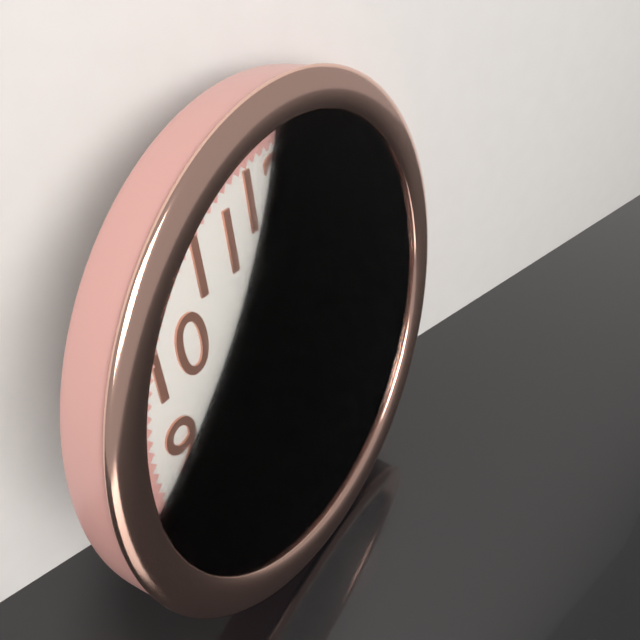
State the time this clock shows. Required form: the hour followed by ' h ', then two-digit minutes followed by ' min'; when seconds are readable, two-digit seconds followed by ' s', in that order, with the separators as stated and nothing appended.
7 h 02 min 33 s
